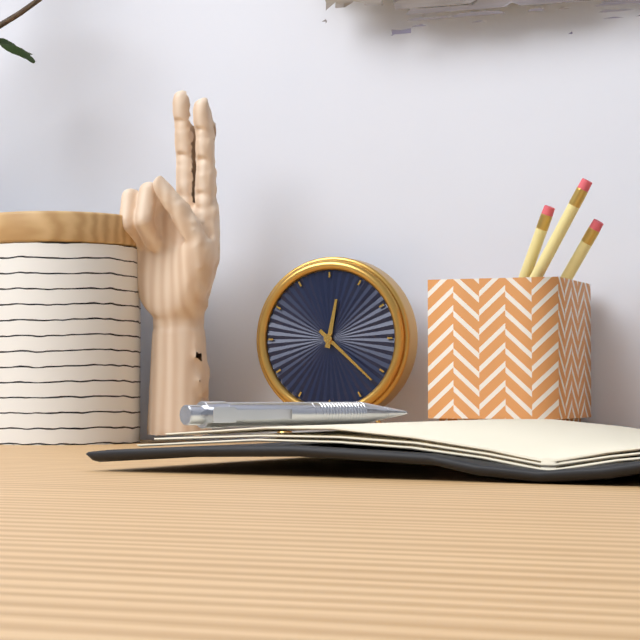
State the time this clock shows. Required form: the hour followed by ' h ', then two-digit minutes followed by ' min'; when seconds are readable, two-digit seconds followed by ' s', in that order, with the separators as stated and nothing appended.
12 h 22 min
